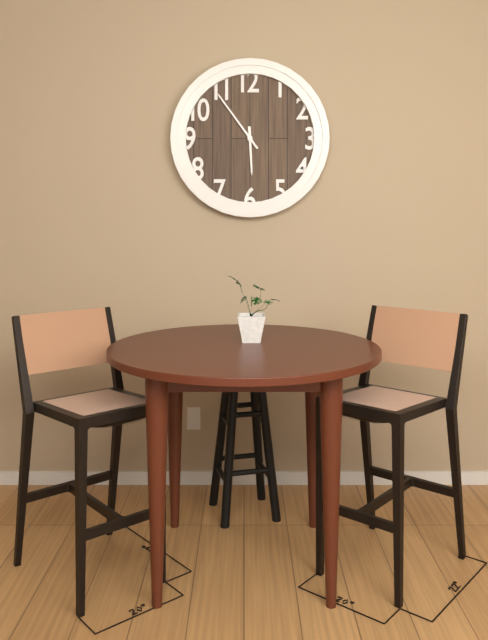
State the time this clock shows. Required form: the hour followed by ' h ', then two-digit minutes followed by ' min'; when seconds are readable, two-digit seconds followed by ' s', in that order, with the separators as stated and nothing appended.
5 h 54 min
